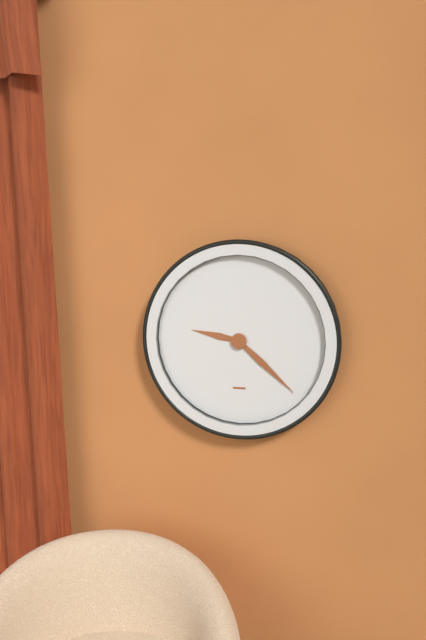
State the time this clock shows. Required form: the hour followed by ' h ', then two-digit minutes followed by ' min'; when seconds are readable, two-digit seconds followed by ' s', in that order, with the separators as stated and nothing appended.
9 h 22 min
